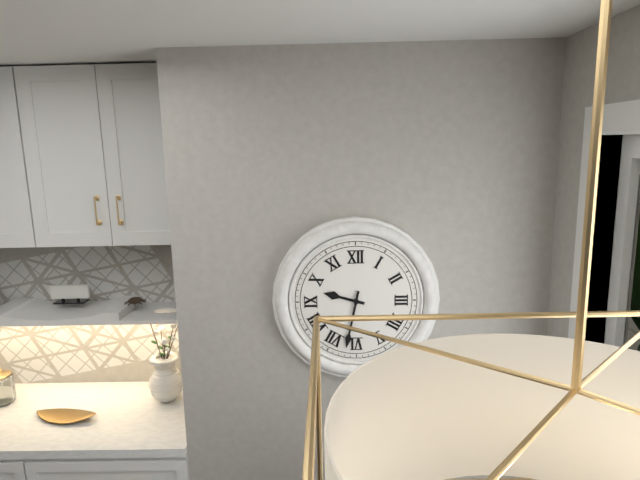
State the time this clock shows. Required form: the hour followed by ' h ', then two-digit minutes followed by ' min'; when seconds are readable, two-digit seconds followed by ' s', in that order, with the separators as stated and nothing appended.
9 h 32 min
